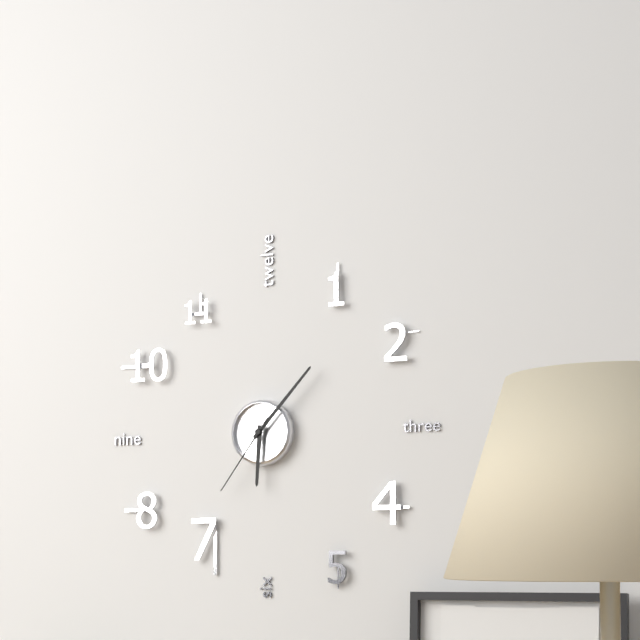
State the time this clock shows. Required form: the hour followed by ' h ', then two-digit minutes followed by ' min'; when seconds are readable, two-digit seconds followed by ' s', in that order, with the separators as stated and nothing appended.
6 h 07 min 36 s
